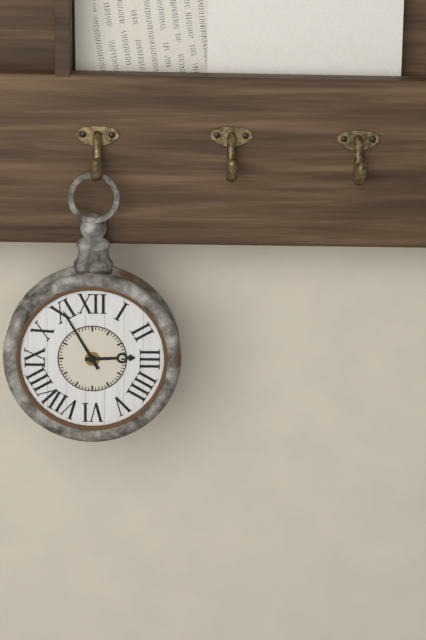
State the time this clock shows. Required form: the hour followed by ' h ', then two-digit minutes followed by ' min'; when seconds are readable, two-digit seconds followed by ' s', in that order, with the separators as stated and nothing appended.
2 h 55 min
